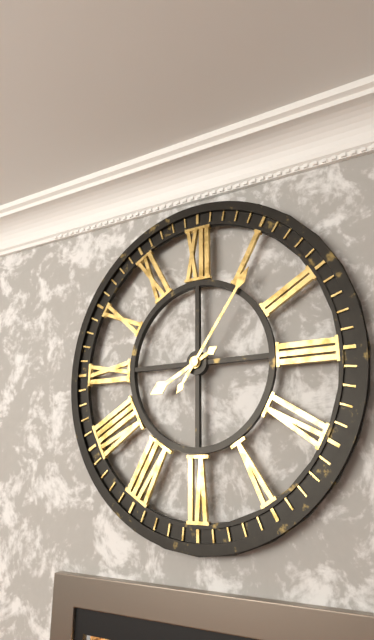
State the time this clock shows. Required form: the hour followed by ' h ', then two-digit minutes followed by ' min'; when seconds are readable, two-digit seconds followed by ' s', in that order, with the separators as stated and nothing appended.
8 h 06 min
